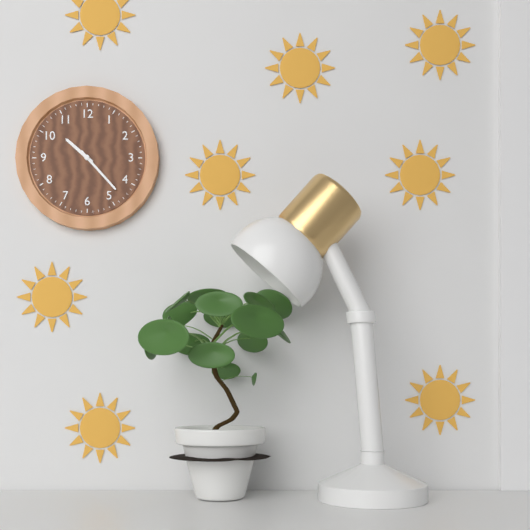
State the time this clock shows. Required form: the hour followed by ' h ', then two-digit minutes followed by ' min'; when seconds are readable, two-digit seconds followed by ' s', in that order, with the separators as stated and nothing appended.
10 h 23 min
